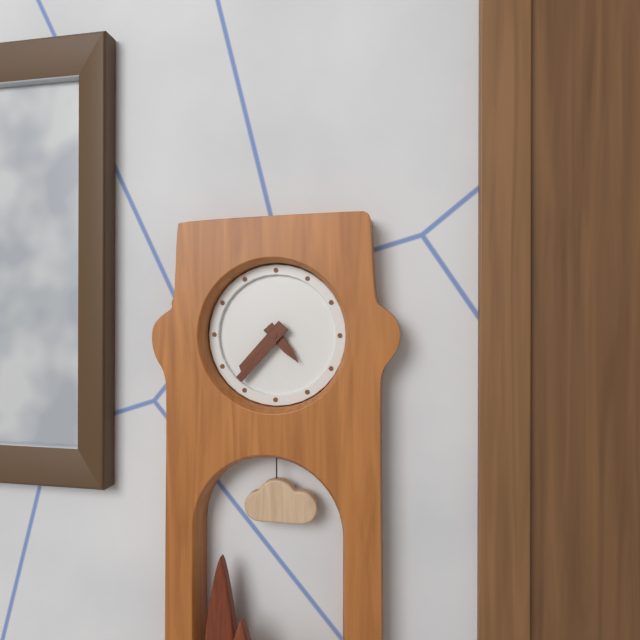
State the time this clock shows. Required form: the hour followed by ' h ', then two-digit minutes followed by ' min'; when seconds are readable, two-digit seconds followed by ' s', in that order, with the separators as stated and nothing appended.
4 h 37 min
